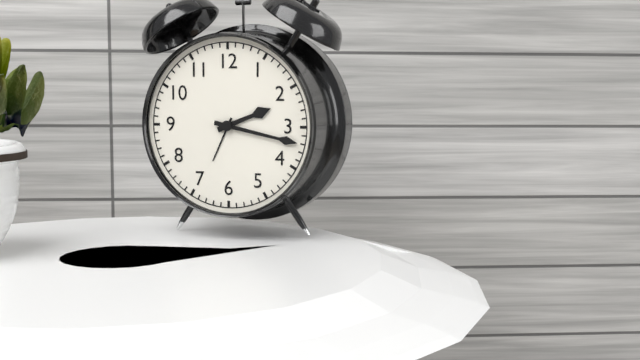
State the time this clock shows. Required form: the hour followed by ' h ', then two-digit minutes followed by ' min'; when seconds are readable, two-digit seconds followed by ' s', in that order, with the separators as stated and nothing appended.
2 h 17 min
